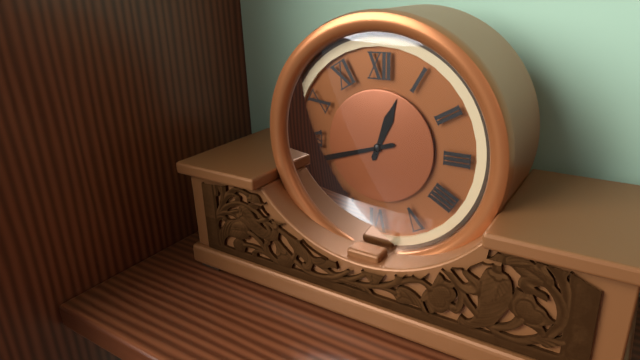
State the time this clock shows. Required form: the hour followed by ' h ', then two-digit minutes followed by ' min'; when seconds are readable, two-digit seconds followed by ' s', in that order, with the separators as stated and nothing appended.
12 h 42 min
